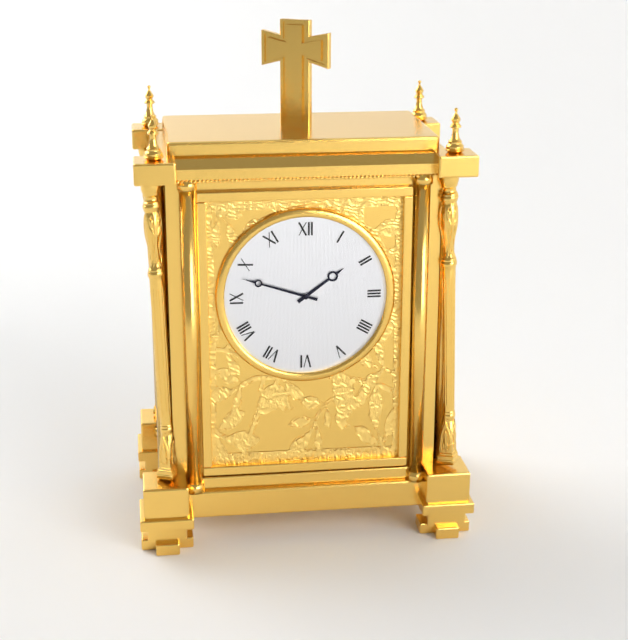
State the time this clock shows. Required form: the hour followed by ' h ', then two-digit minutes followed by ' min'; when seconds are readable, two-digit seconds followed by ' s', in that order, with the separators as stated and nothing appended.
1 h 48 min
